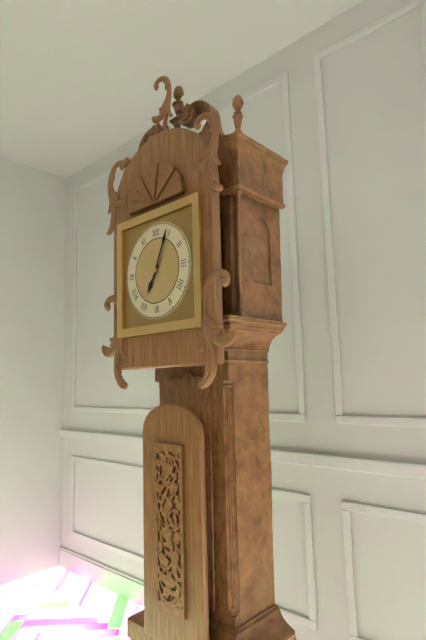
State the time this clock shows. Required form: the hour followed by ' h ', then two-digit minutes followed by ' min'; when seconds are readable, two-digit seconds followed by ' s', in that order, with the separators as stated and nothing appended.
7 h 04 min
